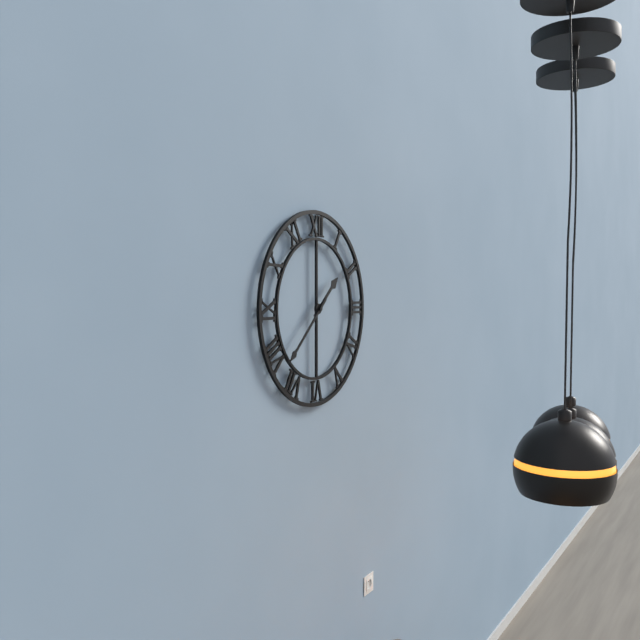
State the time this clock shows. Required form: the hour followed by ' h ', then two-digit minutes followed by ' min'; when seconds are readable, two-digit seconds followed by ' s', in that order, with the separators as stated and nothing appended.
1 h 38 min
